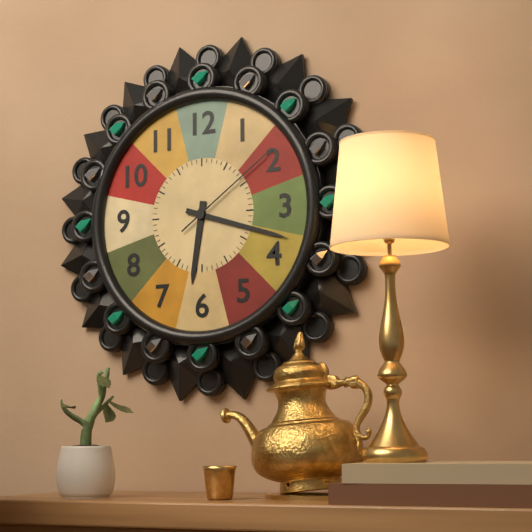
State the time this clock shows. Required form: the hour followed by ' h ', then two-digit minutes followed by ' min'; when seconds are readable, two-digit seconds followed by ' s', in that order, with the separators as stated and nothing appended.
6 h 18 min 09 s
